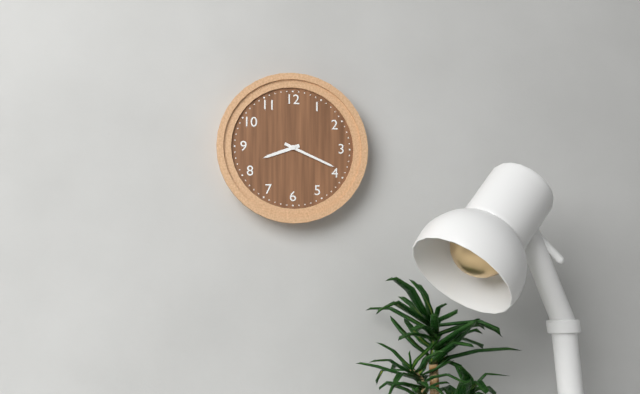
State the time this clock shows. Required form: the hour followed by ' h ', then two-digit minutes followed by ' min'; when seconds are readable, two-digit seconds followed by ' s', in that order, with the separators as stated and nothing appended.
8 h 19 min
